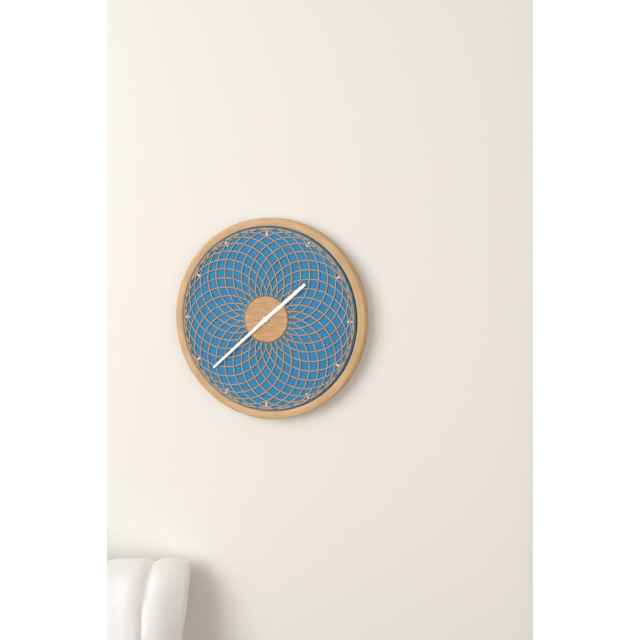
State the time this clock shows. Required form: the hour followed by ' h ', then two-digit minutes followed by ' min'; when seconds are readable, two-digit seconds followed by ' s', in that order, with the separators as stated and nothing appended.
1 h 38 min
